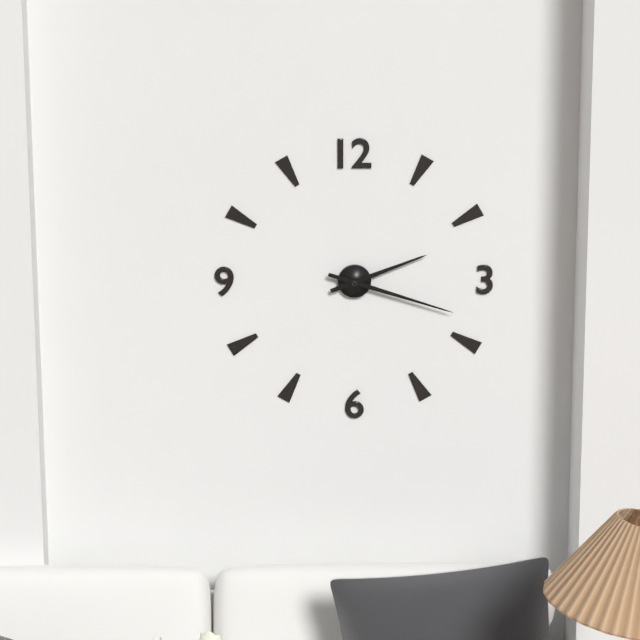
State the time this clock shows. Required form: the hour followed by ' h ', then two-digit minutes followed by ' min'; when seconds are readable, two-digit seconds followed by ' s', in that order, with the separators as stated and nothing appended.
2 h 18 min
